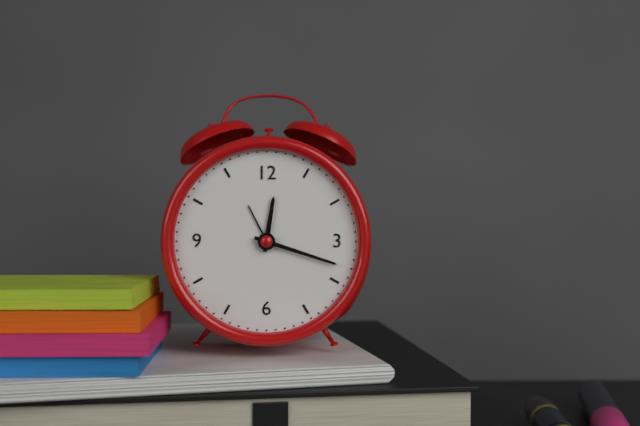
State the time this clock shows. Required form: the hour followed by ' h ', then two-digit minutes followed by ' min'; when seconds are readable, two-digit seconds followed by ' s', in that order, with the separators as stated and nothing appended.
12 h 18 min
